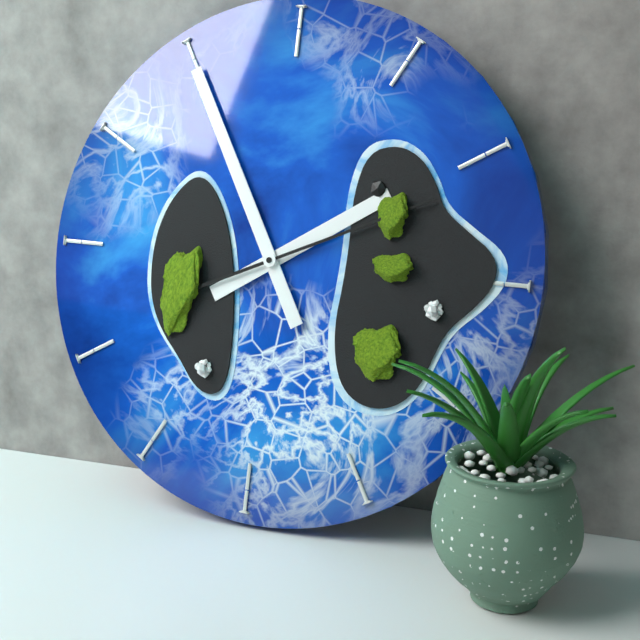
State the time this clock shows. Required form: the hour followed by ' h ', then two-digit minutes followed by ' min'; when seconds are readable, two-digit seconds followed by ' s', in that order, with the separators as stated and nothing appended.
1 h 55 min 11 s
